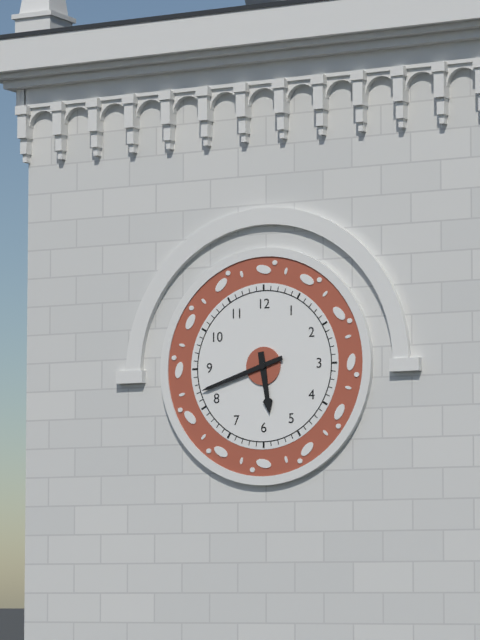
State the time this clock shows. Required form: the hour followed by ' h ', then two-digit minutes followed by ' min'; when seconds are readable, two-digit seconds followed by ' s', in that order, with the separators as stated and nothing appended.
5 h 42 min
